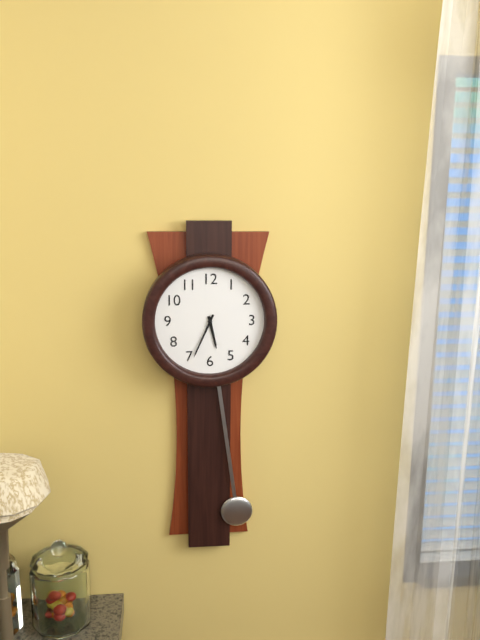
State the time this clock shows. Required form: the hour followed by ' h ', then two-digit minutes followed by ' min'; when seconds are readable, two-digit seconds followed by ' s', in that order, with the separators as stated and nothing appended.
5 h 34 min
